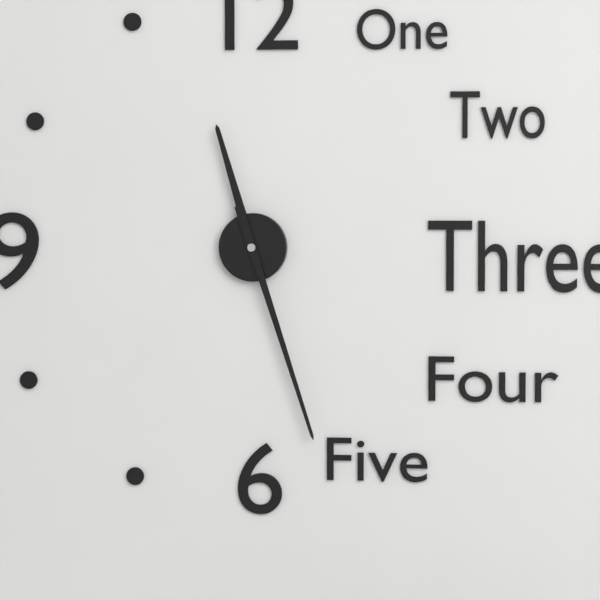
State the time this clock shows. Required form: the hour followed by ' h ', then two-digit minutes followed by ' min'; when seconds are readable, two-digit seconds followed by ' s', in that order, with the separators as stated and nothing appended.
11 h 27 min
